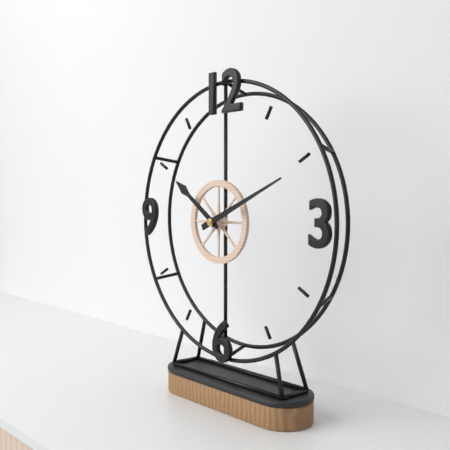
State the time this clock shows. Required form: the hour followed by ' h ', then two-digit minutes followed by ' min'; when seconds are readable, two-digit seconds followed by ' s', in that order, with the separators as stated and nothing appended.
10 h 11 min
